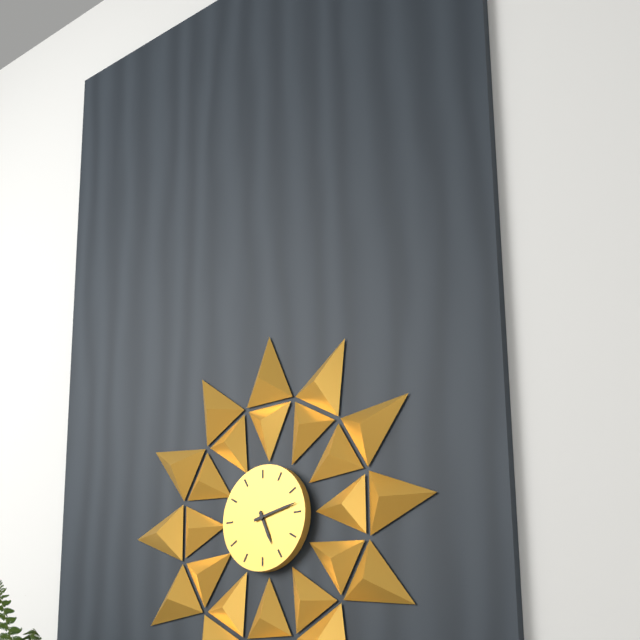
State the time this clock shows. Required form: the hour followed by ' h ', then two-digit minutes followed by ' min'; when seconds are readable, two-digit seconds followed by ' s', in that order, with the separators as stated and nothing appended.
5 h 13 min
